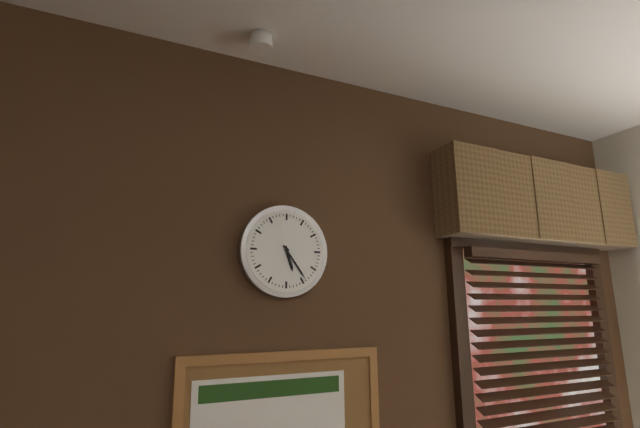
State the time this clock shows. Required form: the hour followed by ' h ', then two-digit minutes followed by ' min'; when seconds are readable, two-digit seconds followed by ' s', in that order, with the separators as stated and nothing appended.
5 h 24 min
